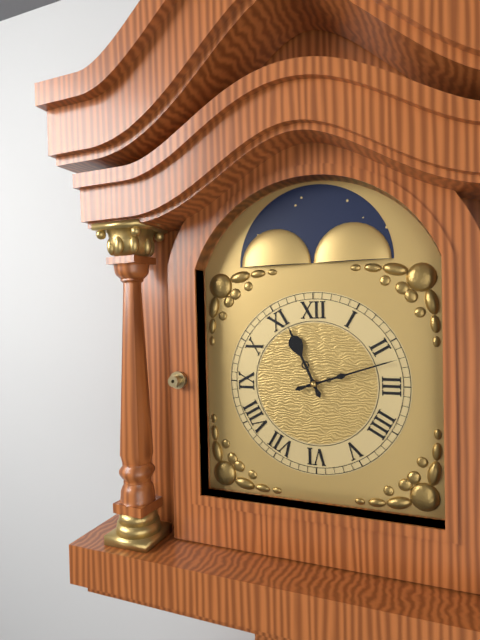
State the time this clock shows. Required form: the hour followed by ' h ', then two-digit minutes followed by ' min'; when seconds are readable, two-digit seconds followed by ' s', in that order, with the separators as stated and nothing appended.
11 h 12 min
